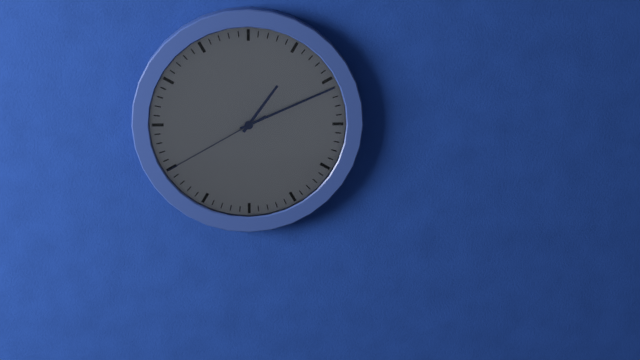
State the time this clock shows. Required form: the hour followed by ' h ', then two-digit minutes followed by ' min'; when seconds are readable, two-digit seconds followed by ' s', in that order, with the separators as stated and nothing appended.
1 h 11 min 40 s
